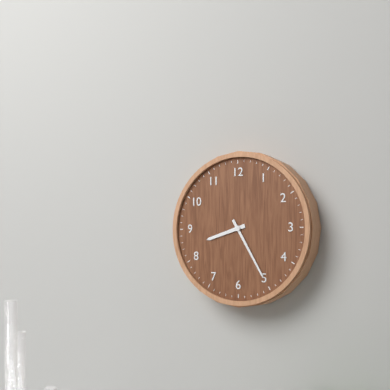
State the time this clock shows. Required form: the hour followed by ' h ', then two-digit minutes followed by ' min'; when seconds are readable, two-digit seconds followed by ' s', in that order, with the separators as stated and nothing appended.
8 h 25 min
